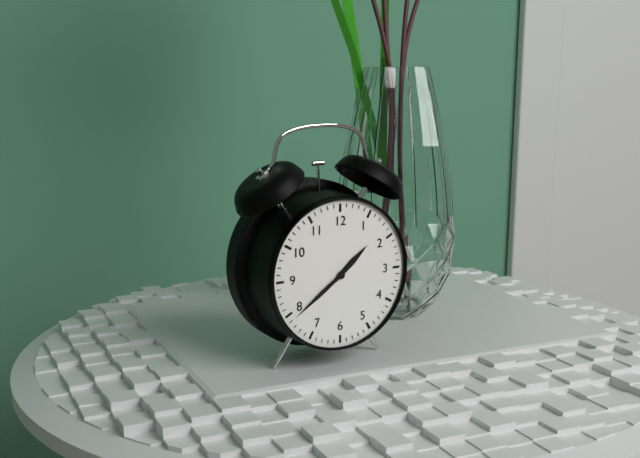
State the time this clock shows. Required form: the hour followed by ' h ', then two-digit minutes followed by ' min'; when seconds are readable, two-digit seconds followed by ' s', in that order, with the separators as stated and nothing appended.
1 h 39 min
